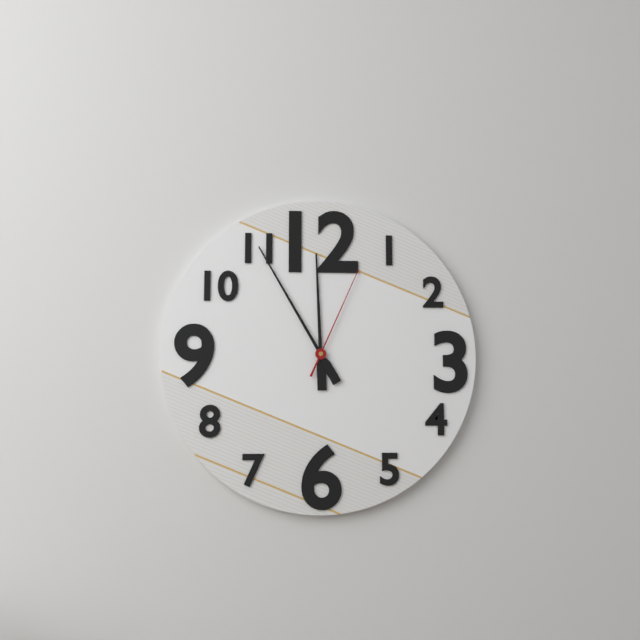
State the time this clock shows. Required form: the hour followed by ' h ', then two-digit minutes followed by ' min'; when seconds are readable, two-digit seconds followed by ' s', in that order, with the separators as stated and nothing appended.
11 h 55 min 04 s
